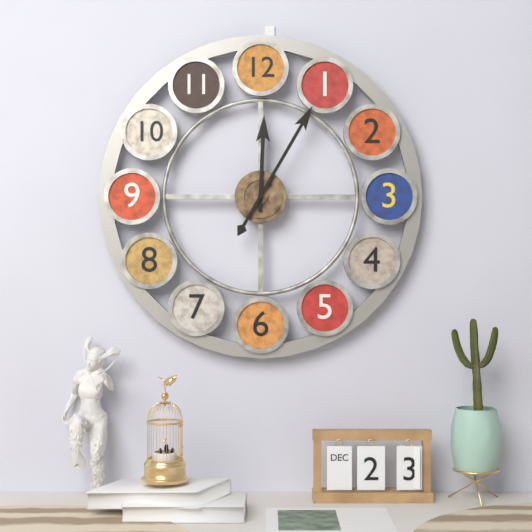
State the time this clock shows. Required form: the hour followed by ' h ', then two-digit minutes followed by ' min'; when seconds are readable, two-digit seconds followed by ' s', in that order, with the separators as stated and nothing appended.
12 h 05 min
